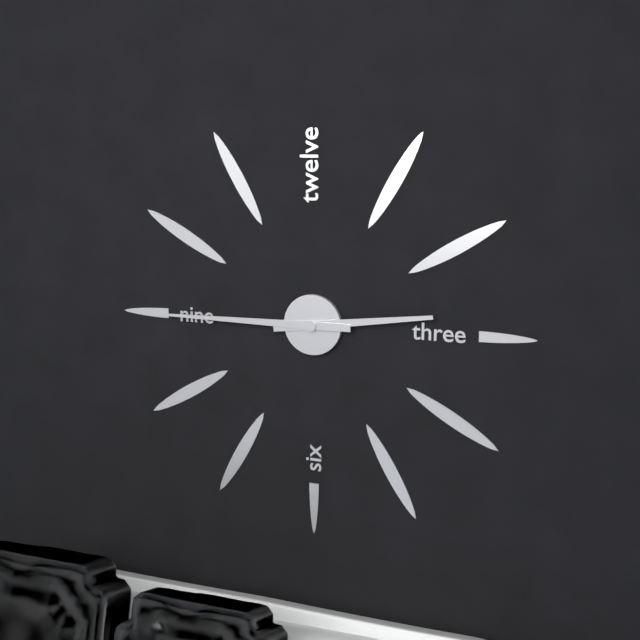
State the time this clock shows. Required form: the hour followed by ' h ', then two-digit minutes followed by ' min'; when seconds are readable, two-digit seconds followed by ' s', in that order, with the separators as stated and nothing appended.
2 h 45 min
